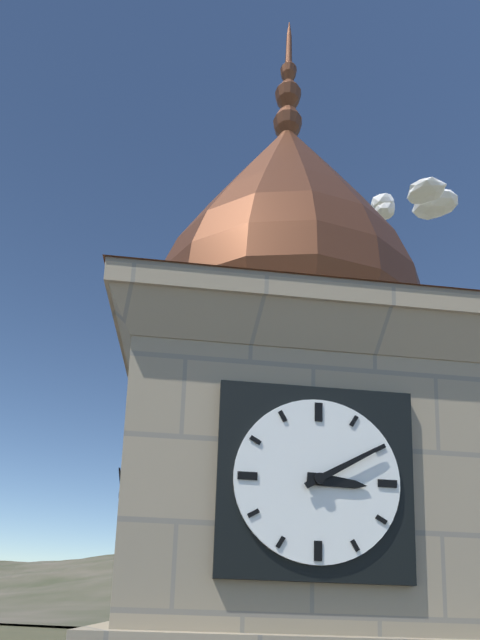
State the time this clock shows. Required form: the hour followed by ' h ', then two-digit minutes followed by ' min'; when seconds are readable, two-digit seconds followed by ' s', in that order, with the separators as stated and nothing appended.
3 h 10 min
